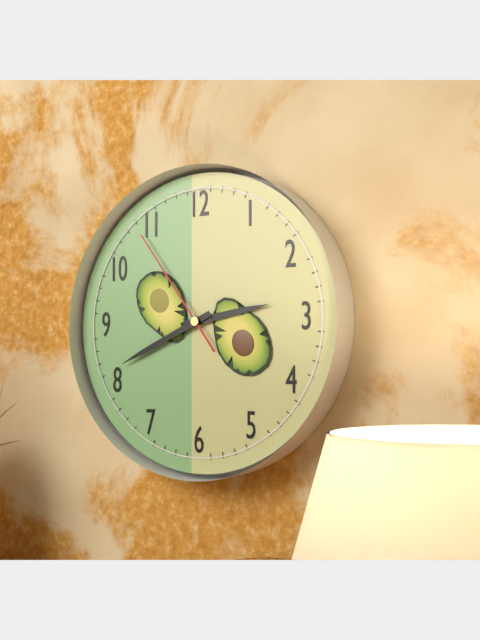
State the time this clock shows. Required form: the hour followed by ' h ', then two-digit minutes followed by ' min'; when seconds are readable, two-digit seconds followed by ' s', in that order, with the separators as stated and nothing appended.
2 h 41 min 54 s
